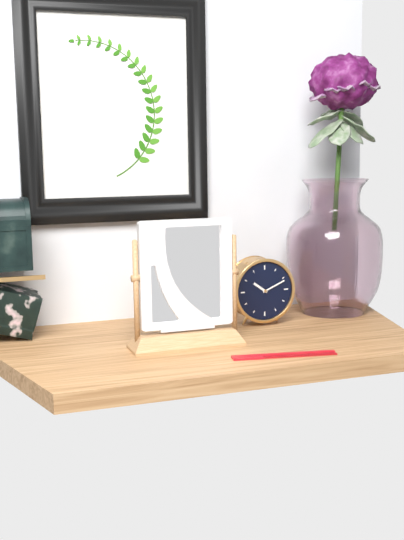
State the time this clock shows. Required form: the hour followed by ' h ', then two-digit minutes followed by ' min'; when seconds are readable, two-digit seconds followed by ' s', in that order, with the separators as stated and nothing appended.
10 h 11 min
